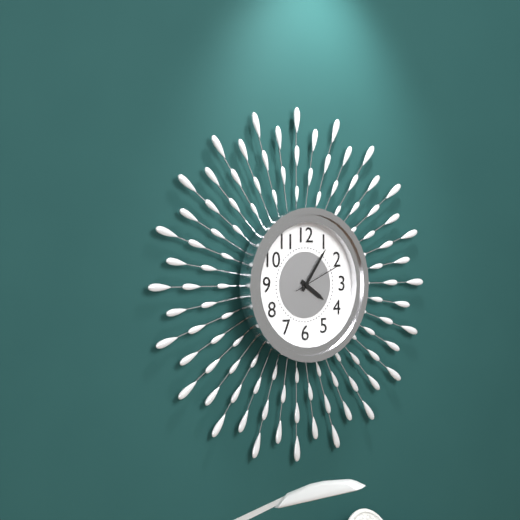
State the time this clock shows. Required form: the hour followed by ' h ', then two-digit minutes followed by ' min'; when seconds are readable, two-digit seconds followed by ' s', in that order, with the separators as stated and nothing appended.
4 h 06 min
